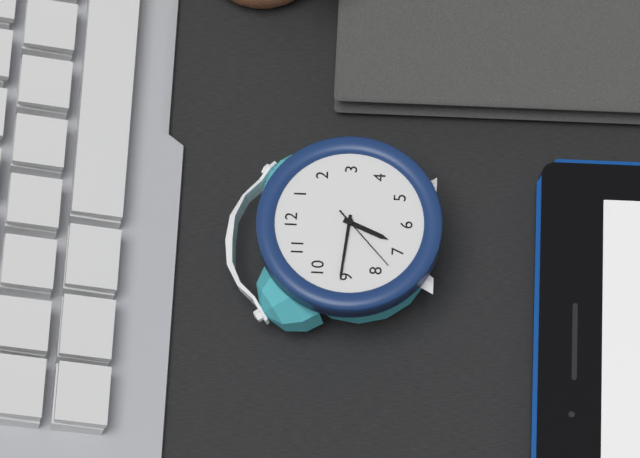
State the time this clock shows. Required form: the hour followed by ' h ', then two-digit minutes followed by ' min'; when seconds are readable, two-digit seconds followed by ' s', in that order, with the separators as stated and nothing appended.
6 h 46 min 38 s
